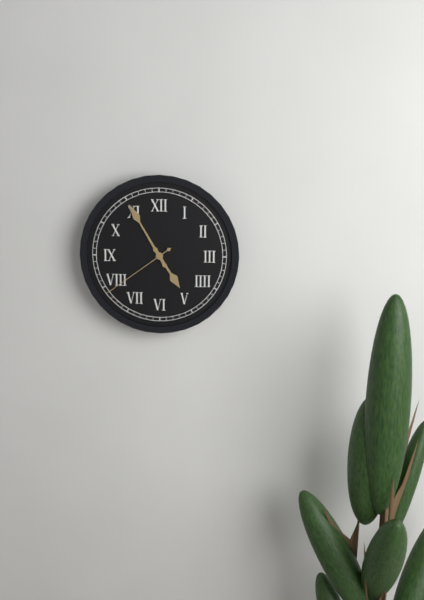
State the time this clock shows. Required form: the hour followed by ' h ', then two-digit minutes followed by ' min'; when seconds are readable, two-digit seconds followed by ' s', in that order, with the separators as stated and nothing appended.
4 h 55 min 39 s
